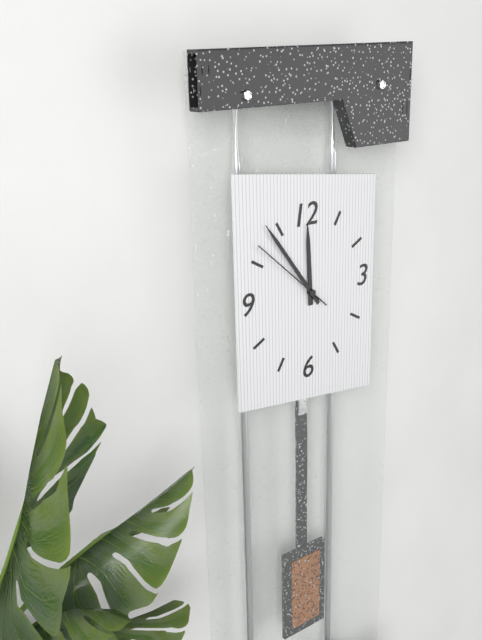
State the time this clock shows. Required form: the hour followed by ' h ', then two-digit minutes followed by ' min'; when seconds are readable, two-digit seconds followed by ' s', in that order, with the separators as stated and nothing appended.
11 h 54 min 52 s
